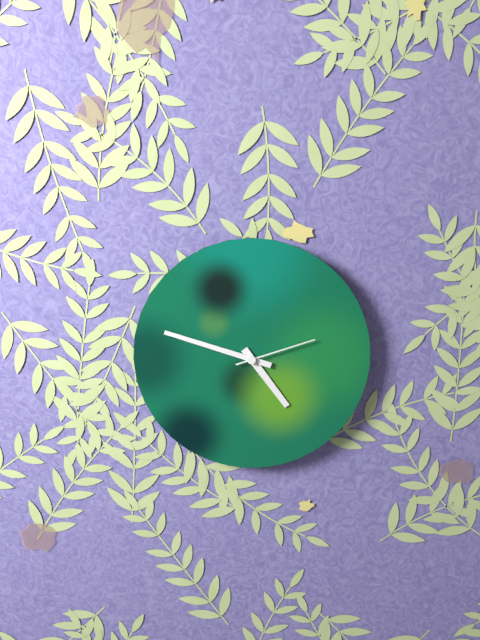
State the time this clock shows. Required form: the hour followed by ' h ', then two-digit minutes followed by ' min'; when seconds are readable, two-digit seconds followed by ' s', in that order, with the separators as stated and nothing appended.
4 h 48 min 12 s
